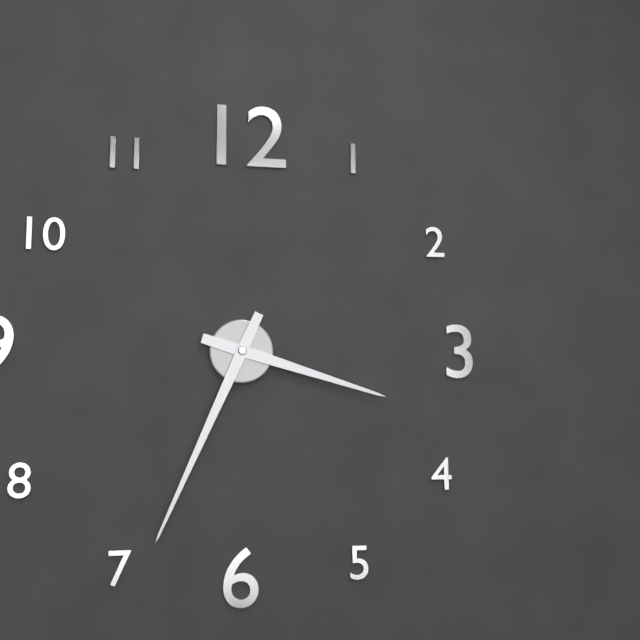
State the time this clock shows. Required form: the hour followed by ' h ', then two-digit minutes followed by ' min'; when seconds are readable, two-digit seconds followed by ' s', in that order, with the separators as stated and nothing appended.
3 h 34 min
